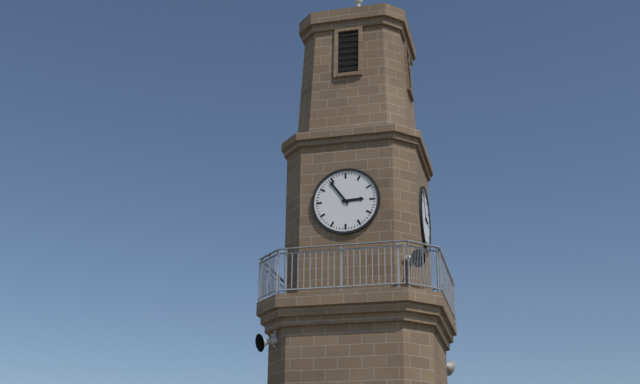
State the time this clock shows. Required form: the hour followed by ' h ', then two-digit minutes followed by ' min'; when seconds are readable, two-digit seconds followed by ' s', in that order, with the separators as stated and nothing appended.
2 h 54 min
